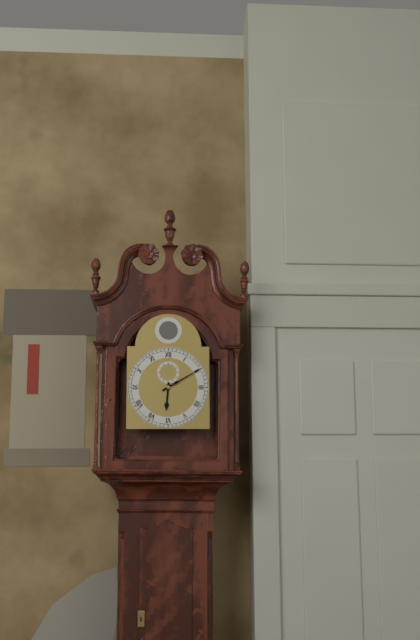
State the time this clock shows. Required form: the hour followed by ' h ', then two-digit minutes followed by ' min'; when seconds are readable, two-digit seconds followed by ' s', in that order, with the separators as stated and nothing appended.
6 h 10 min
